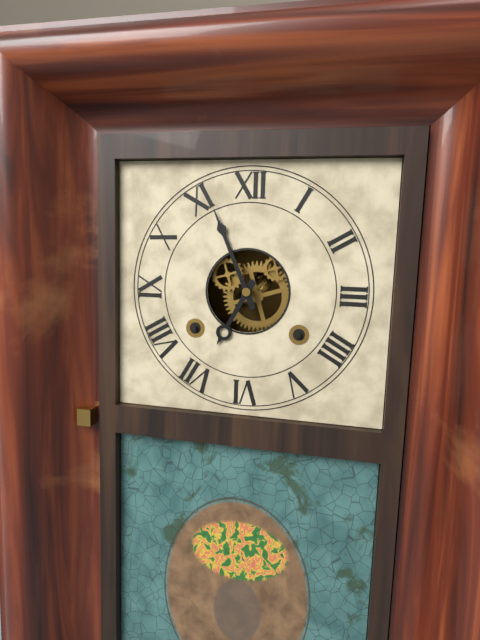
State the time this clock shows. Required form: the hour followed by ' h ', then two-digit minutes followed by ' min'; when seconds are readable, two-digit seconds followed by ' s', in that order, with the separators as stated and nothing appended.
6 h 56 min
